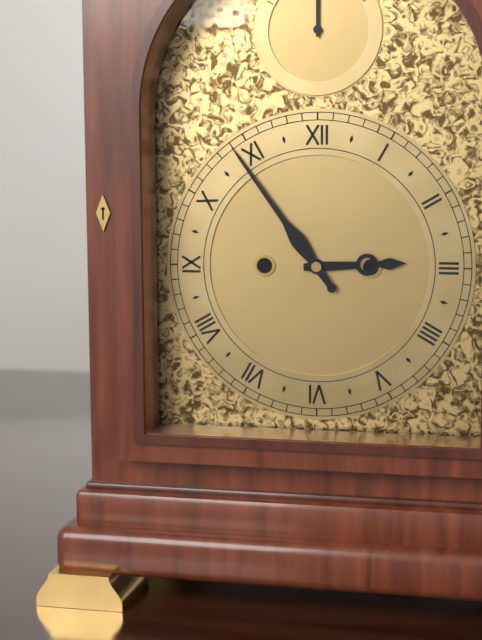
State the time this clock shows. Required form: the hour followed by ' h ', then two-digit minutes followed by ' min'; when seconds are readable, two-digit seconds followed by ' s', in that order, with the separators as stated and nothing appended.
2 h 54 min
